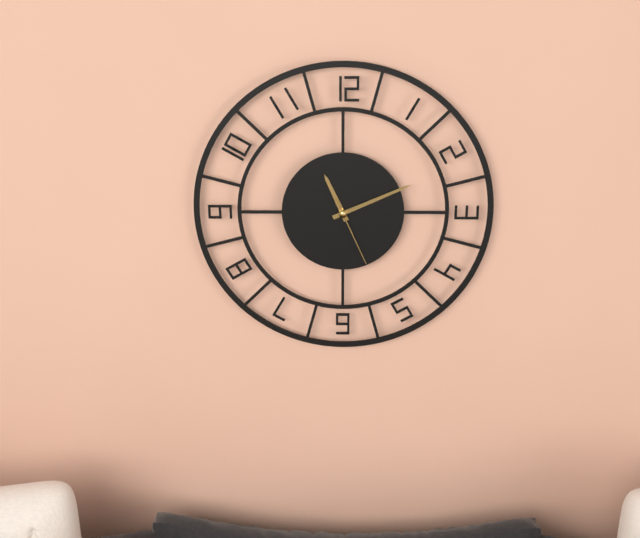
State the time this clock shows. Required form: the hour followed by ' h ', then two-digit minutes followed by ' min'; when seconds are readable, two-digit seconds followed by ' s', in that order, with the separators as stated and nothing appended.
11 h 11 min 26 s
